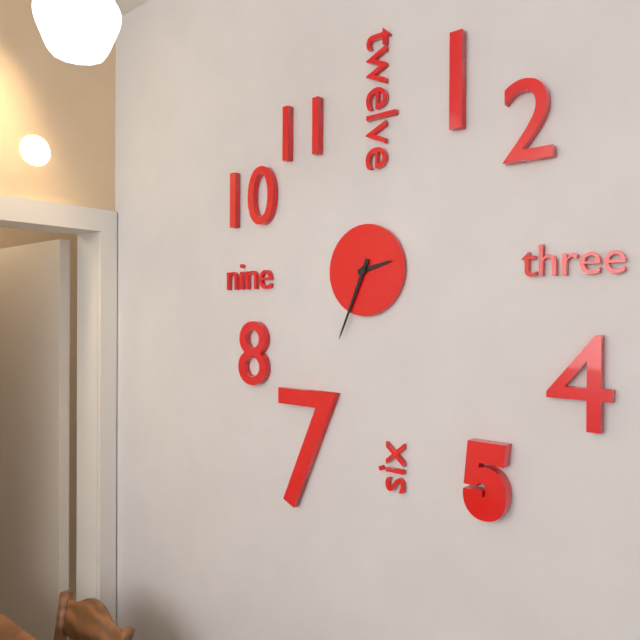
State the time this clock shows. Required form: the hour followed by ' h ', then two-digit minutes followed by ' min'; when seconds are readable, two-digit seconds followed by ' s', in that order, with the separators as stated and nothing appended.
2 h 34 min
